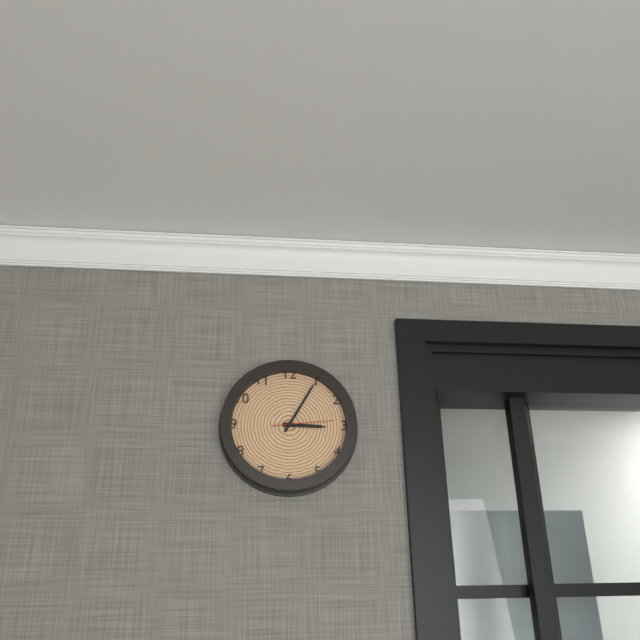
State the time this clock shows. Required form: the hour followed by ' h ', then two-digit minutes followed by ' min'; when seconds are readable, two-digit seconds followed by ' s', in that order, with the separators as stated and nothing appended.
3 h 05 min 14 s
